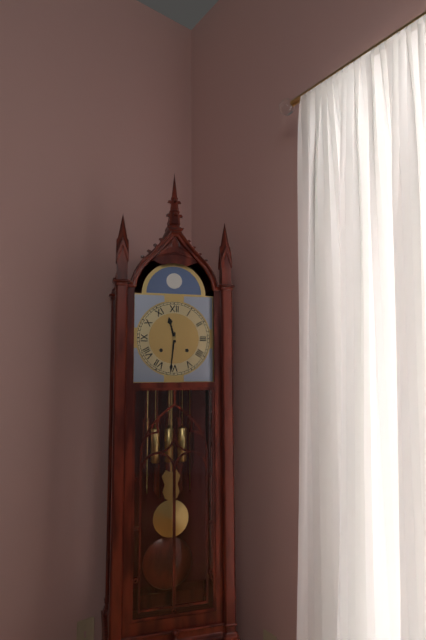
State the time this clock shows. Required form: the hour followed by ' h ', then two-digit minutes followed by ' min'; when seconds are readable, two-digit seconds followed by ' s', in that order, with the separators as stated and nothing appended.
11 h 31 min
